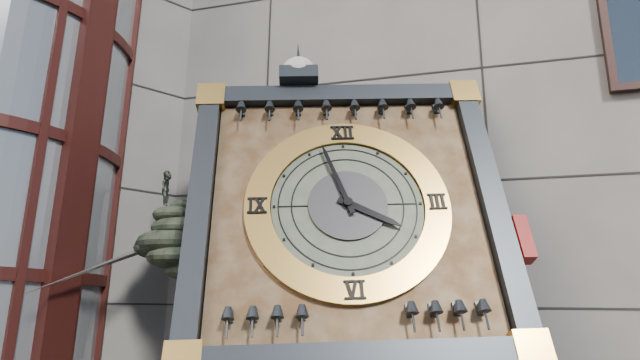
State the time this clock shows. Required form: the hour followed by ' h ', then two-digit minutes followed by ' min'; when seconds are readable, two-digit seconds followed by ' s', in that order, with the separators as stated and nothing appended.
3 h 57 min
